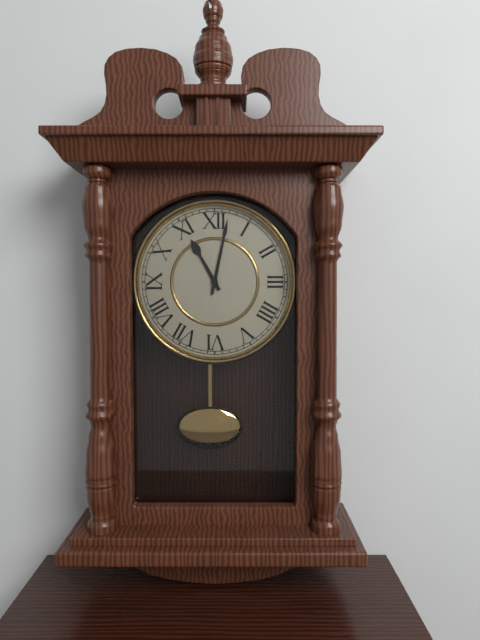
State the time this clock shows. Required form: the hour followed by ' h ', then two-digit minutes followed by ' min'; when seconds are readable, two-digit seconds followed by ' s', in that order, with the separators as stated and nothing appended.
11 h 02 min
